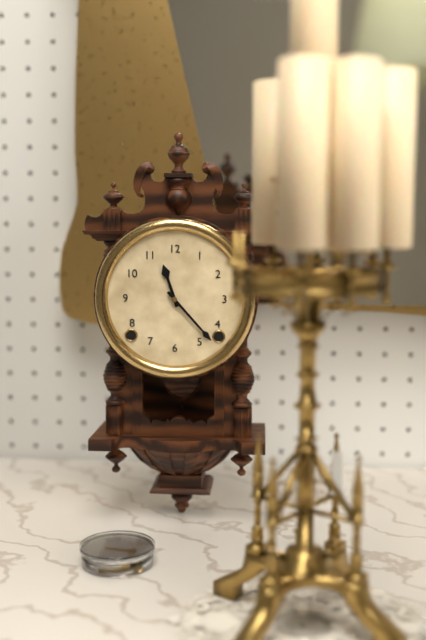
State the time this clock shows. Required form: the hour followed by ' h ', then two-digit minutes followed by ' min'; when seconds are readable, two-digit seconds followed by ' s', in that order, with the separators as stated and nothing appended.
11 h 23 min
